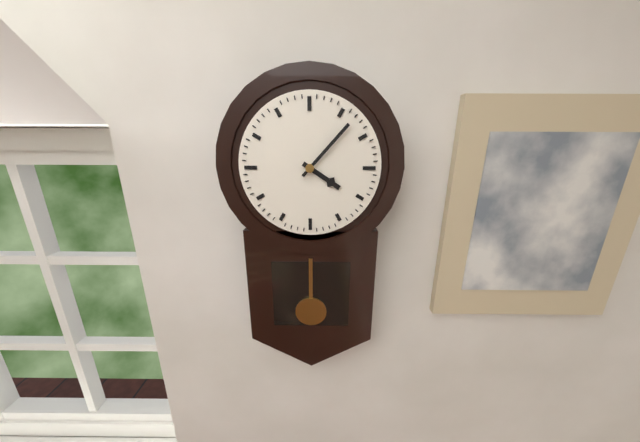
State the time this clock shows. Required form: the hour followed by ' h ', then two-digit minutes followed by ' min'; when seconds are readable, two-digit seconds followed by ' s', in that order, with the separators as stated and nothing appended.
4 h 07 min
